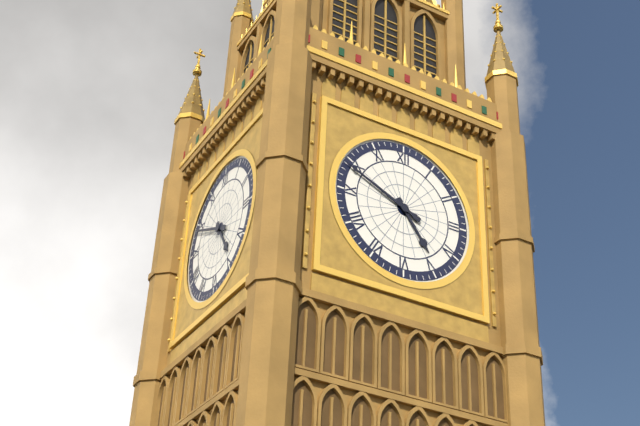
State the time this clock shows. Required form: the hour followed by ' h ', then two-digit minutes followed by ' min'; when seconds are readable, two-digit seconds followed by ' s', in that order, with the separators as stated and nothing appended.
4 h 49 min
